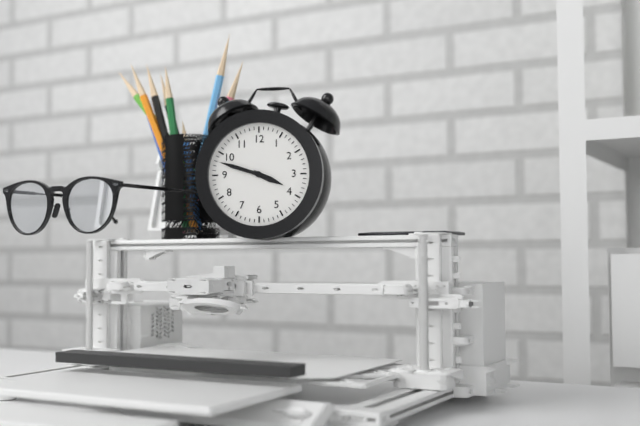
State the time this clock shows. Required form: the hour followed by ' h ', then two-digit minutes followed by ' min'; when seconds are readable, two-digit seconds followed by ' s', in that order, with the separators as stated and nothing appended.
3 h 48 min
